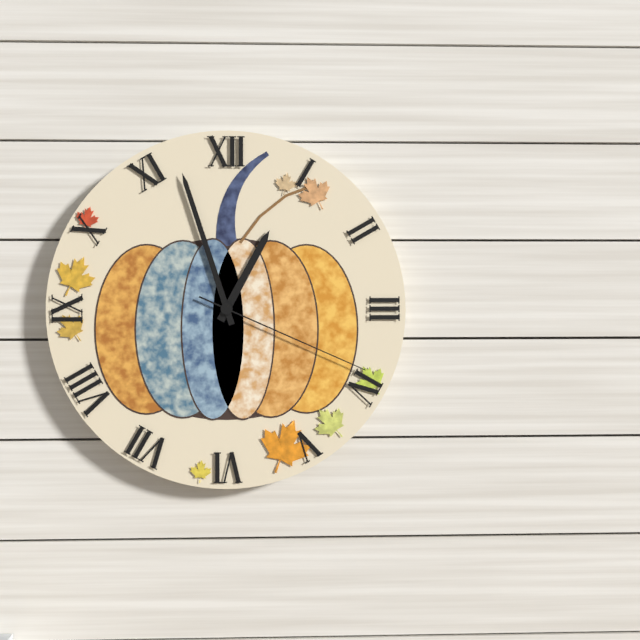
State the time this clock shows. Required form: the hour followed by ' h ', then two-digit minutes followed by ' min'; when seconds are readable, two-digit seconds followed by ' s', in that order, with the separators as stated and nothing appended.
12 h 57 min 19 s
